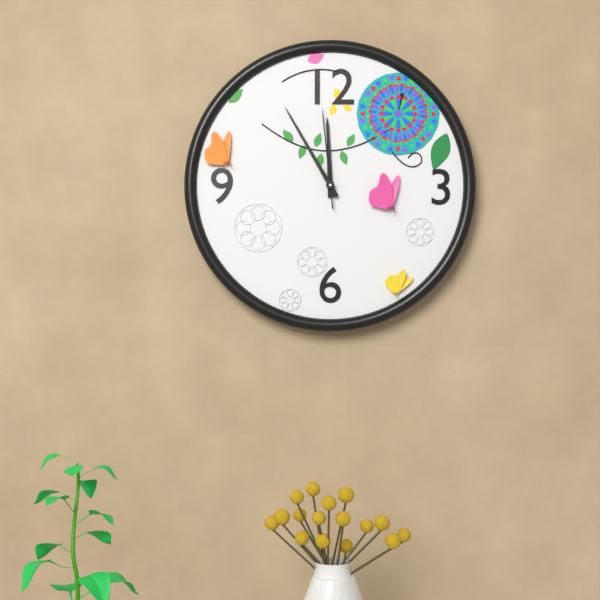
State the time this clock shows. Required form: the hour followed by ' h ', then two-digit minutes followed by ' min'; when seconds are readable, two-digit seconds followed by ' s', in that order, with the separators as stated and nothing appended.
11 h 55 min 59 s
